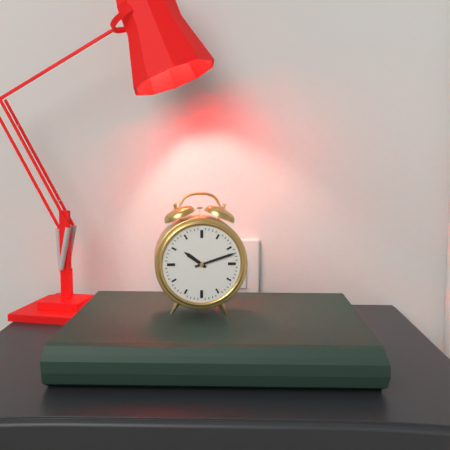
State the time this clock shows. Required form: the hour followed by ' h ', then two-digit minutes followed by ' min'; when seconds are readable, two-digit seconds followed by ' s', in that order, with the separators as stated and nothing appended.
10 h 12 min
